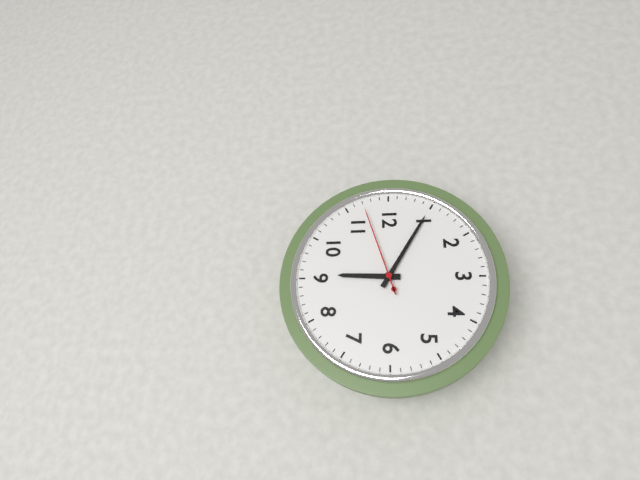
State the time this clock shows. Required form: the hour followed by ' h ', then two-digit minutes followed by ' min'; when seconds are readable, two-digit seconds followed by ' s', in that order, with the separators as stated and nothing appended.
9 h 05 min 57 s
